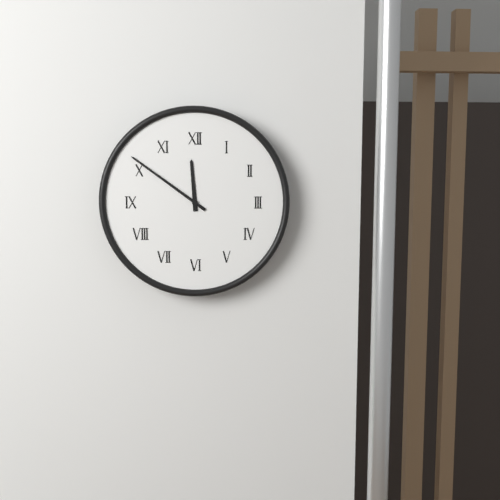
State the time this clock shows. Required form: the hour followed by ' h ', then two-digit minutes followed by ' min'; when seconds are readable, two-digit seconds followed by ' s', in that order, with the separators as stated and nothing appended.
11 h 51 min
